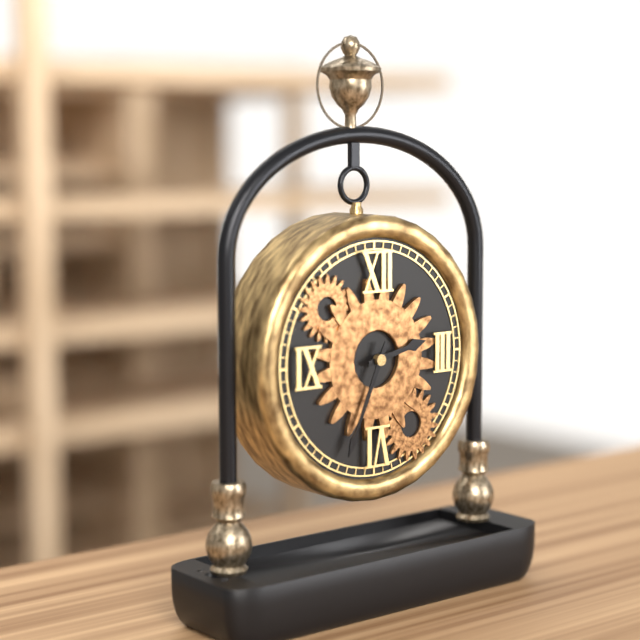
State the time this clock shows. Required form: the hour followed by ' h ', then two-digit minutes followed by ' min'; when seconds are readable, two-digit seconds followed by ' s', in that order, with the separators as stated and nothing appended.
2 h 34 min
